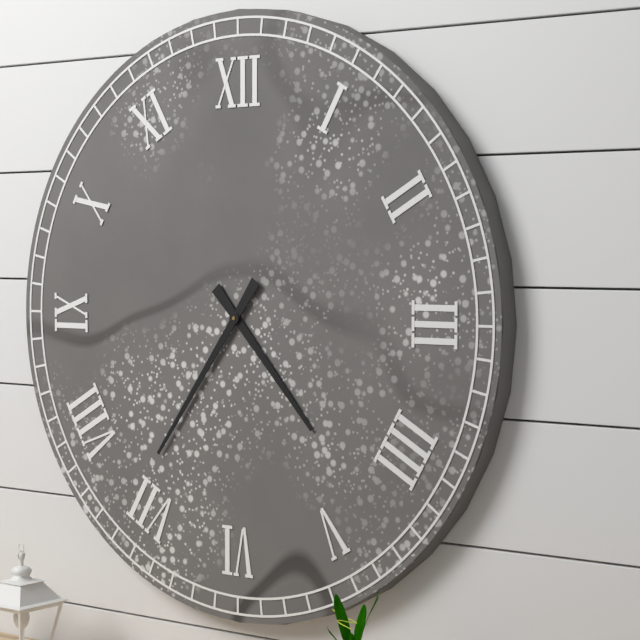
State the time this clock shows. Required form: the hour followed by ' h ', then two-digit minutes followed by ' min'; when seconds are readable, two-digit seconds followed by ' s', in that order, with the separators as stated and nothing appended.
4 h 36 min
